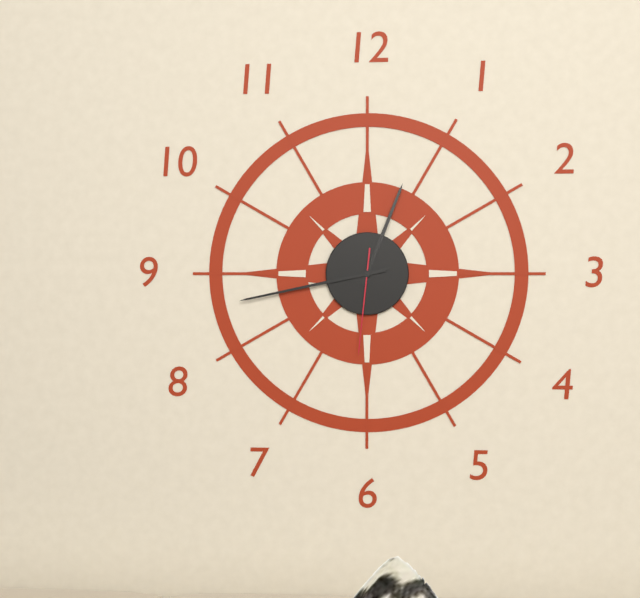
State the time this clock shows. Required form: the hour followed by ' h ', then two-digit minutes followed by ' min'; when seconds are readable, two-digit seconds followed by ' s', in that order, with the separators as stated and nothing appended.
12 h 43 min 31 s
